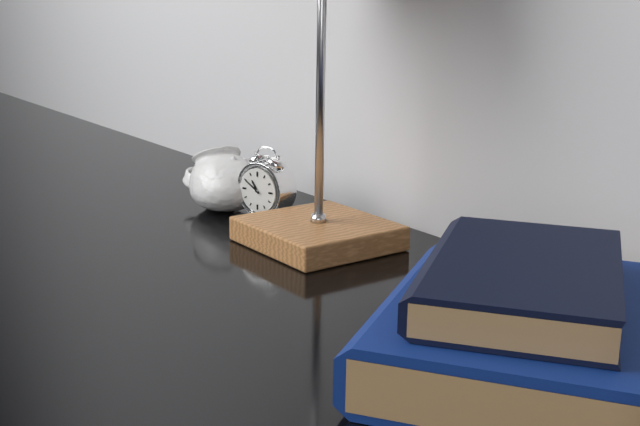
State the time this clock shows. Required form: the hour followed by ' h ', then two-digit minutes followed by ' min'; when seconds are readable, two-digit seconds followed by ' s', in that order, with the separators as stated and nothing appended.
10 h 50 min
